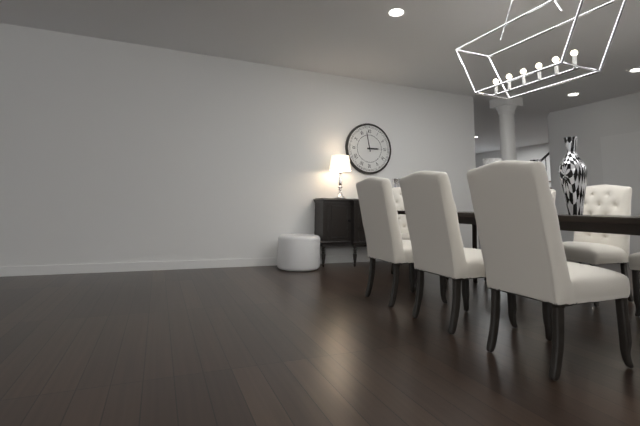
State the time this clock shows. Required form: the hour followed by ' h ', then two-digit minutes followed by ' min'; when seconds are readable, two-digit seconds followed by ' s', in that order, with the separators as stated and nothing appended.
2 h 58 min
